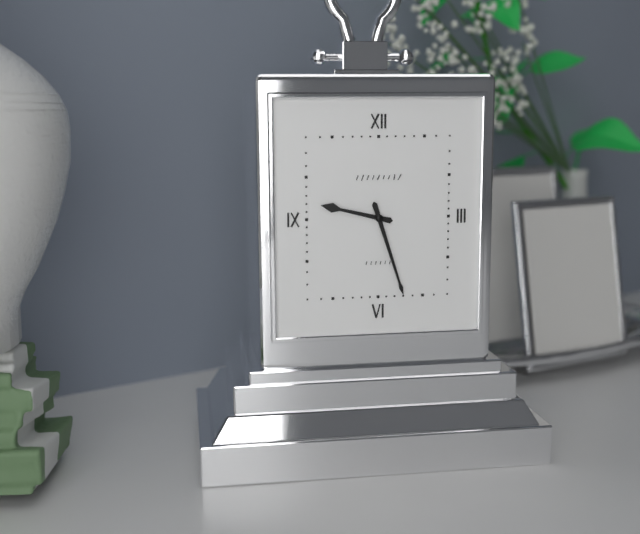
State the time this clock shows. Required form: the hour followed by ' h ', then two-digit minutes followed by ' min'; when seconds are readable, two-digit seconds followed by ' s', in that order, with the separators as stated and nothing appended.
9 h 27 min
